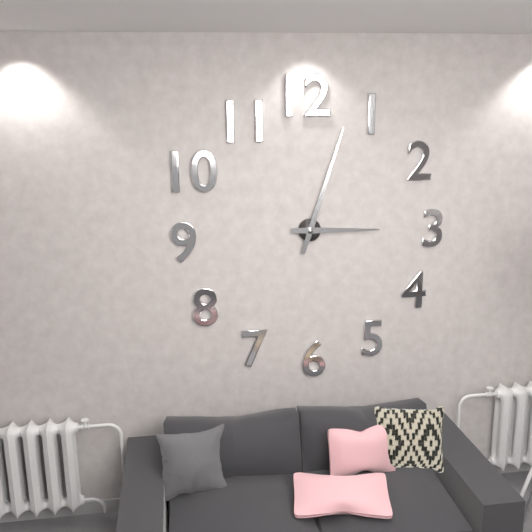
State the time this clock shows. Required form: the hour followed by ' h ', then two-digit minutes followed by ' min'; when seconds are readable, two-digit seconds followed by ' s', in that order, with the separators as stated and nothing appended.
3 h 03 min
